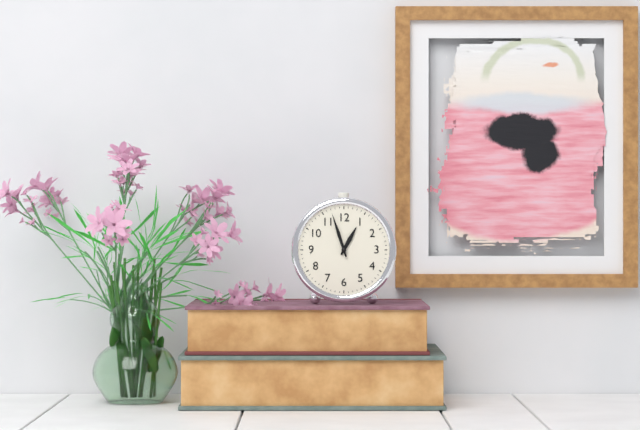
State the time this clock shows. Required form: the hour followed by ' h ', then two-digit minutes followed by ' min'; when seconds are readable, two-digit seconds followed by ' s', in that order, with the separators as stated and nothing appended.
12 h 57 min
